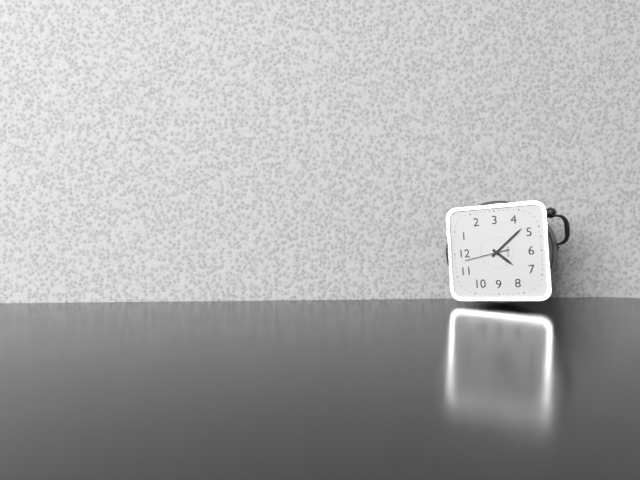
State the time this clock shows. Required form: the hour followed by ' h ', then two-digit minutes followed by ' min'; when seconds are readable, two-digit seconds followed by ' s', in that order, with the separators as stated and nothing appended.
7 h 23 min
